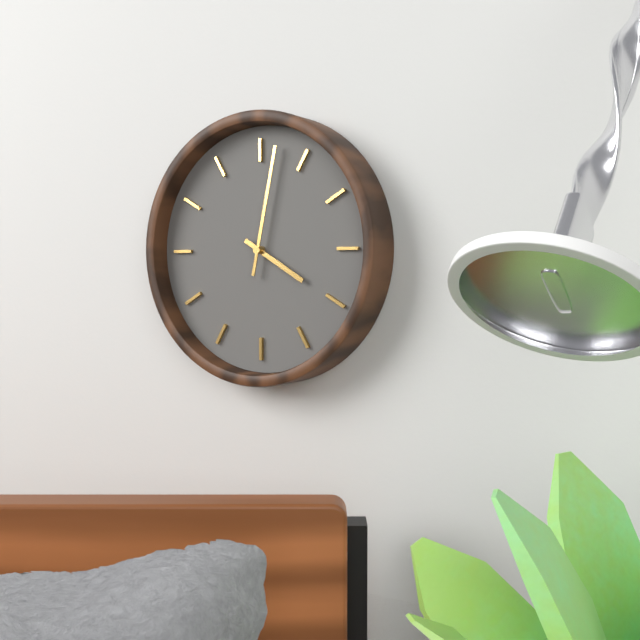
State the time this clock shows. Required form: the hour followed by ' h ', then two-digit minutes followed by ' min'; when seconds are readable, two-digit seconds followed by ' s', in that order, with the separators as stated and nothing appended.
4 h 02 min
